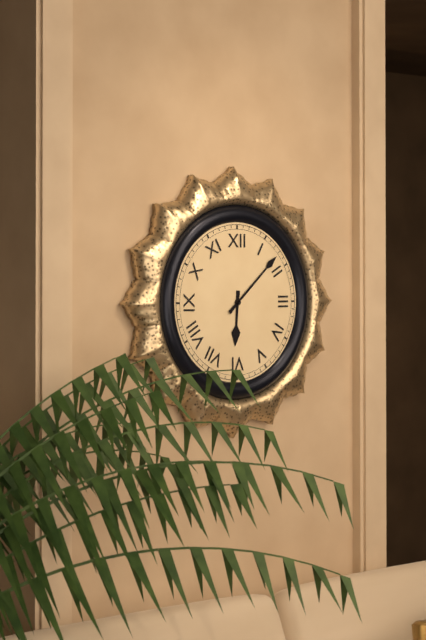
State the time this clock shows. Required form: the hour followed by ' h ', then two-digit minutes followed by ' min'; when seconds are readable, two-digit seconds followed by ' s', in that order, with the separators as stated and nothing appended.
6 h 08 min
